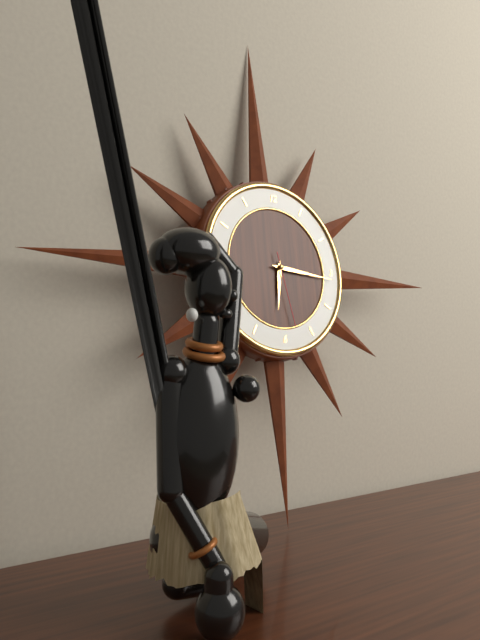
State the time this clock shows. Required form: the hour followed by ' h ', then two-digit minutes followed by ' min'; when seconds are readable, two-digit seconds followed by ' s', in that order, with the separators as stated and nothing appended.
6 h 16 min 28 s
